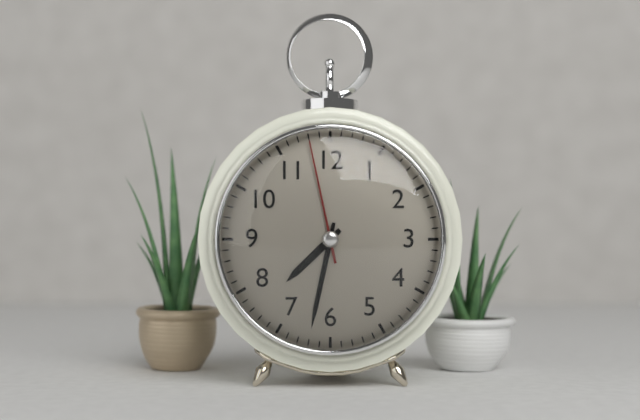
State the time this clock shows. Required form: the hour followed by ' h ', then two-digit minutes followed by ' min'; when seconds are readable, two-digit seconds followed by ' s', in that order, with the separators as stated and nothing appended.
7 h 32 min 58 s
